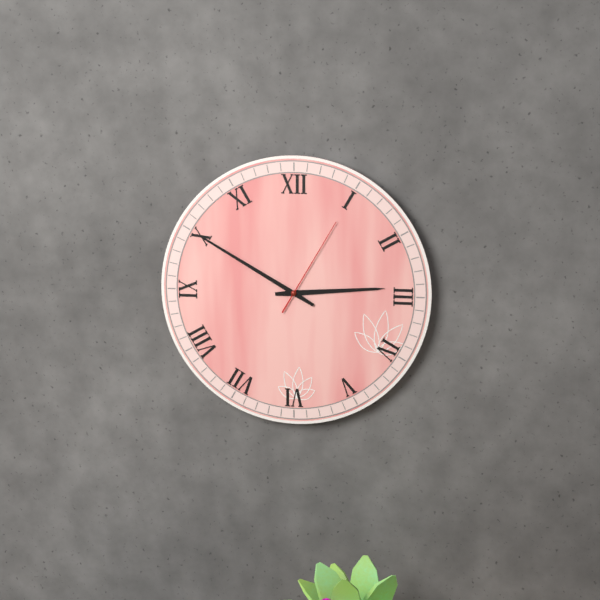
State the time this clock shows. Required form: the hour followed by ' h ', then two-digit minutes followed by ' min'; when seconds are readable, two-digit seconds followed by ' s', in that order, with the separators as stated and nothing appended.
2 h 50 min 05 s
